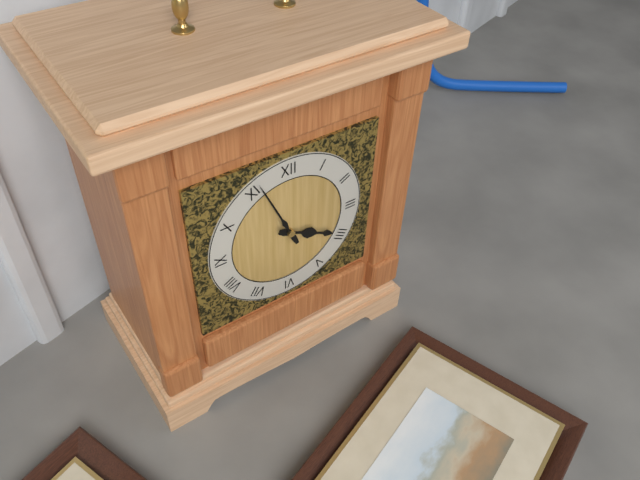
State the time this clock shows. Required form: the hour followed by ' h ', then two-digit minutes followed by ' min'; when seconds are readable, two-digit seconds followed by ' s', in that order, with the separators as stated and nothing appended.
3 h 56 min
